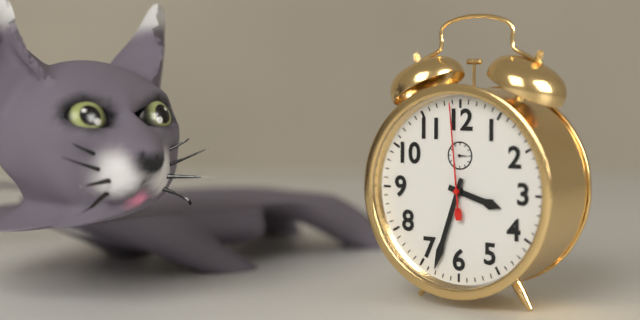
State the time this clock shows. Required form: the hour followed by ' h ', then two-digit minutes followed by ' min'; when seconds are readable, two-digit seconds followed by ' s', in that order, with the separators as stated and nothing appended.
3 h 33 min 59 s
